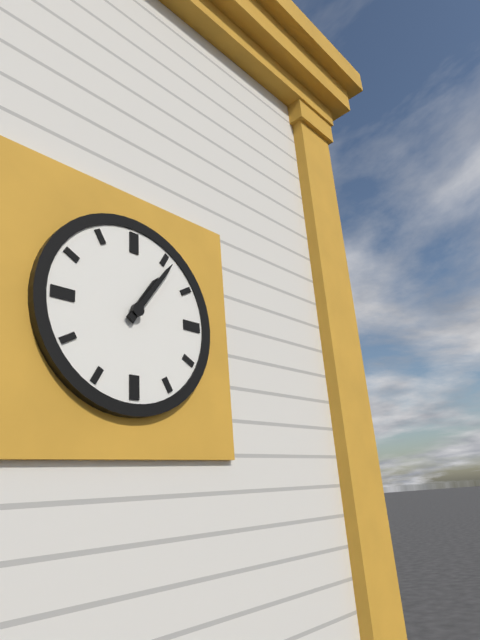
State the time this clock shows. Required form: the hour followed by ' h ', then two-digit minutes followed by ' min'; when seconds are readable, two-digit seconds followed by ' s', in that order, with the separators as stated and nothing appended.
1 h 06 min
